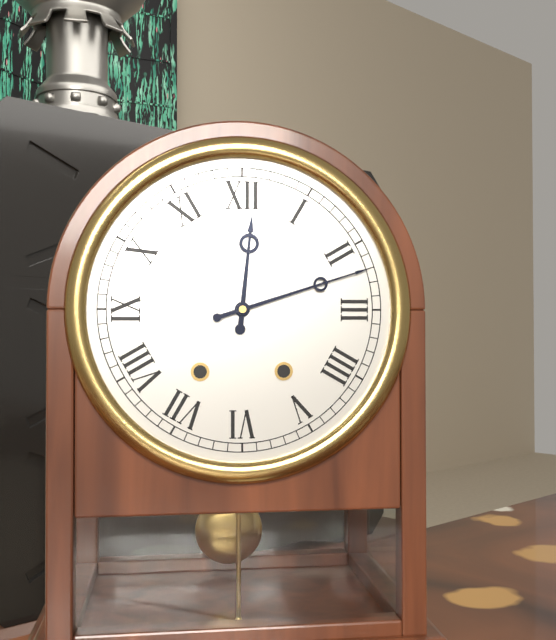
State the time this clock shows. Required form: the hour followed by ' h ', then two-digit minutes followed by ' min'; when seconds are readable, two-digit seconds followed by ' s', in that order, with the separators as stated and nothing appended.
12 h 12 min
